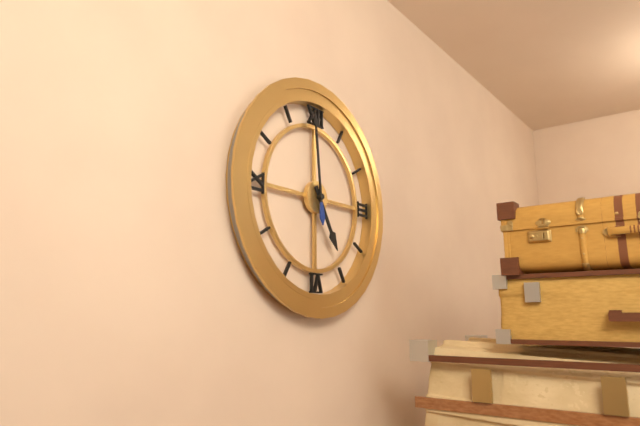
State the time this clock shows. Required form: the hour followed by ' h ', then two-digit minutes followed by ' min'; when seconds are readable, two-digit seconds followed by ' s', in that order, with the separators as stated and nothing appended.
4 h 59 min
